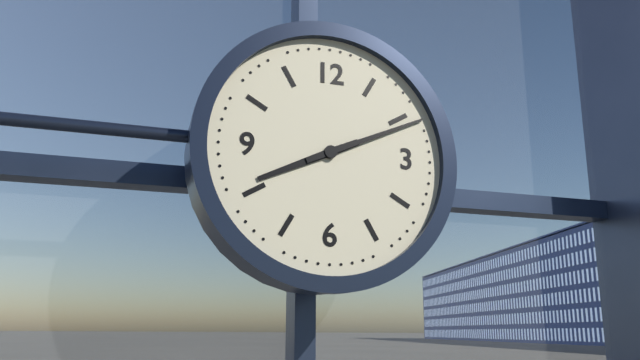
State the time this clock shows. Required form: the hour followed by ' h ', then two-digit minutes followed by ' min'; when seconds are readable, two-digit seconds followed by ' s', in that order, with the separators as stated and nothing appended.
8 h 11 min
